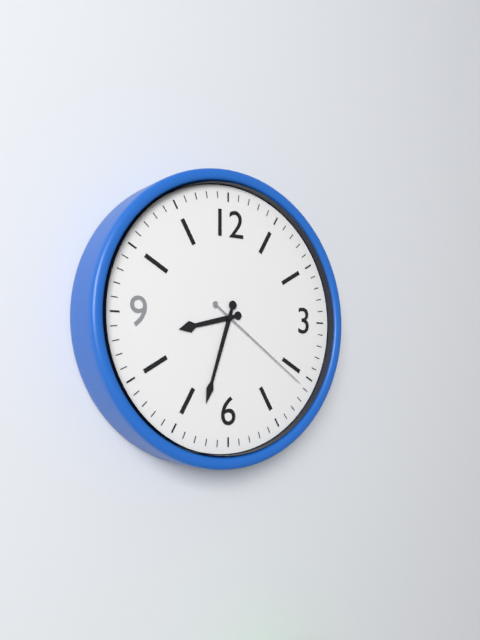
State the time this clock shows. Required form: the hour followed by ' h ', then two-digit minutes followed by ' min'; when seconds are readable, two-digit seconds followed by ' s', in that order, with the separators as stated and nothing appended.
8 h 33 min 21 s
